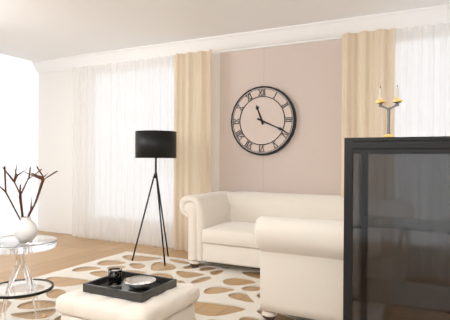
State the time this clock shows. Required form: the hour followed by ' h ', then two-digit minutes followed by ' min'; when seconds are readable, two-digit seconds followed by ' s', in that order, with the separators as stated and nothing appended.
11 h 19 min
